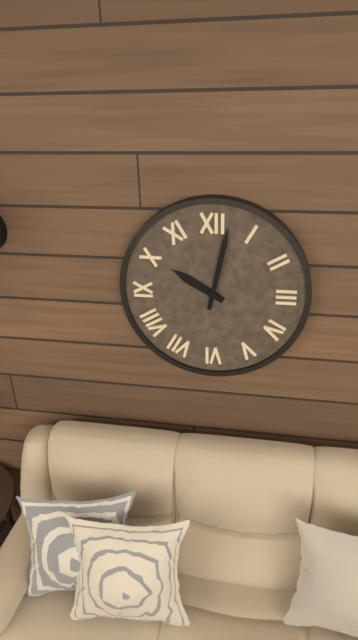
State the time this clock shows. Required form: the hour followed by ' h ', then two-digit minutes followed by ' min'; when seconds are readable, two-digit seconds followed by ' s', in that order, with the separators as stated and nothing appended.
10 h 02 min
